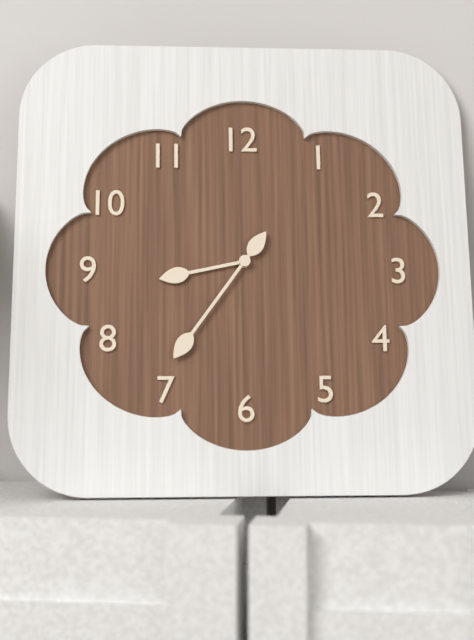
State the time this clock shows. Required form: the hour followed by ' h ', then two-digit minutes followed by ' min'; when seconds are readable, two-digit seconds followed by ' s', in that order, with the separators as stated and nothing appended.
8 h 36 min
